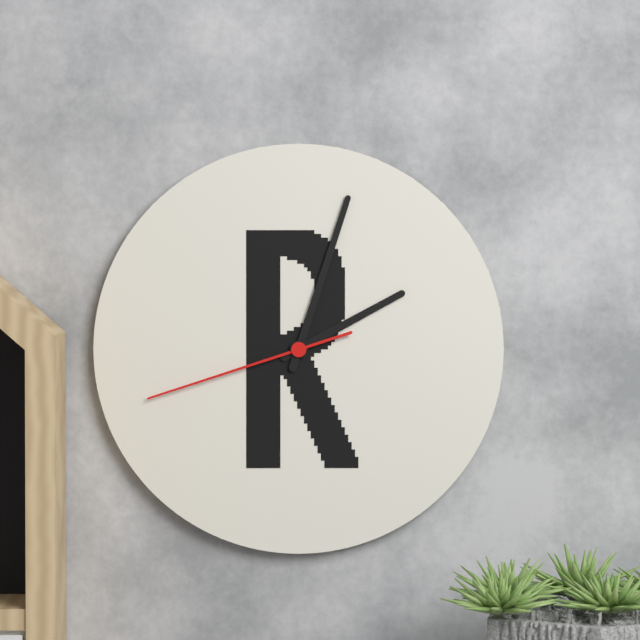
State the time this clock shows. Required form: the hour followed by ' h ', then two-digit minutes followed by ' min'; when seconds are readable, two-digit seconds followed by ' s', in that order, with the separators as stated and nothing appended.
2 h 03 min 42 s
